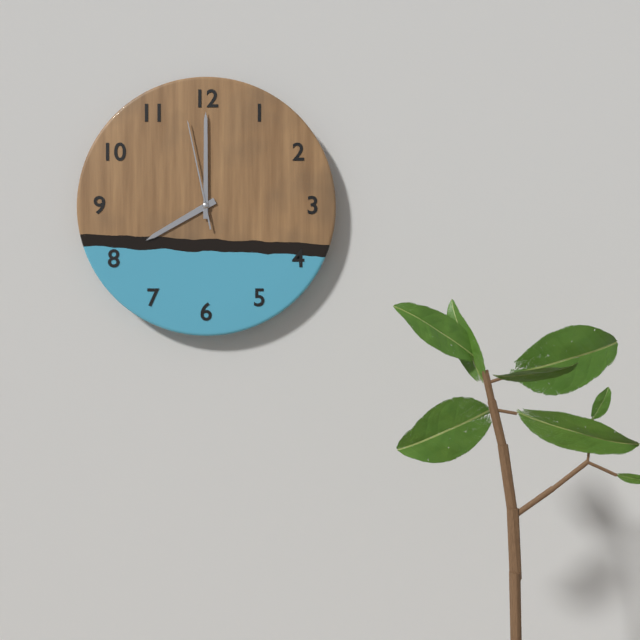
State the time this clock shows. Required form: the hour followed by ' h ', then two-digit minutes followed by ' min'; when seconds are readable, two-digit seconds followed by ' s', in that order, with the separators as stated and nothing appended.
8 h 00 min 58 s
